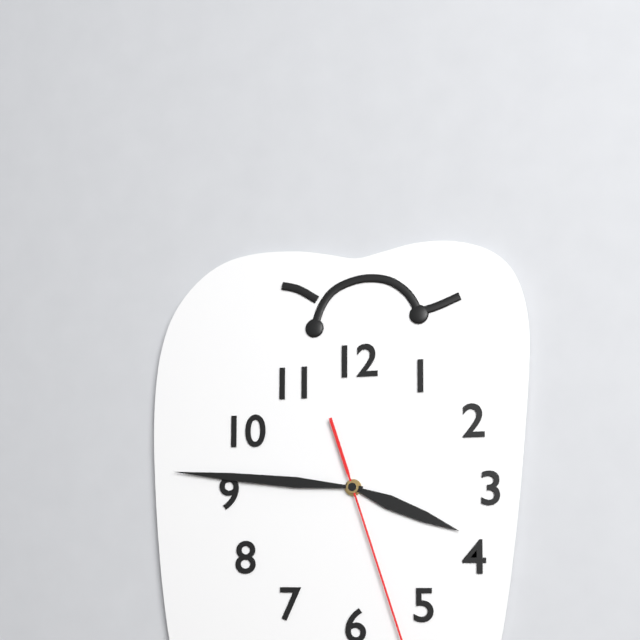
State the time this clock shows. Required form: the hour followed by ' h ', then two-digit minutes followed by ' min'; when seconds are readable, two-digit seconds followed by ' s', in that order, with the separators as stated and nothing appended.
3 h 46 min
